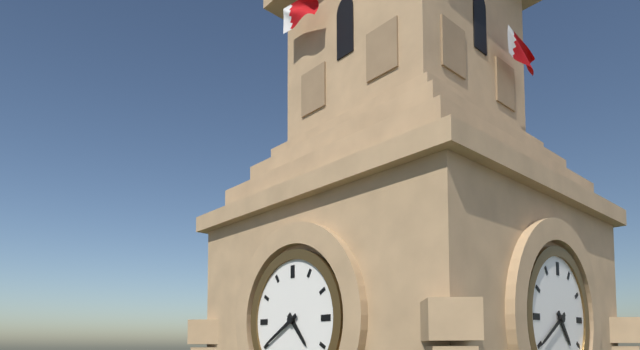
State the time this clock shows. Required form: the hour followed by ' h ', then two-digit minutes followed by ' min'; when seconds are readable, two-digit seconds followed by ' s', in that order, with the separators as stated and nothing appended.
4 h 40 min
